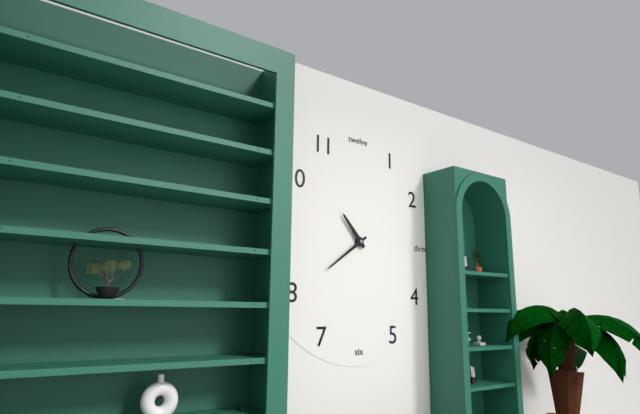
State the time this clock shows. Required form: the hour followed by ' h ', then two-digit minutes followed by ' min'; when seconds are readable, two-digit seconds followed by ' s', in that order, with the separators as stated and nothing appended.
10 h 39 min
